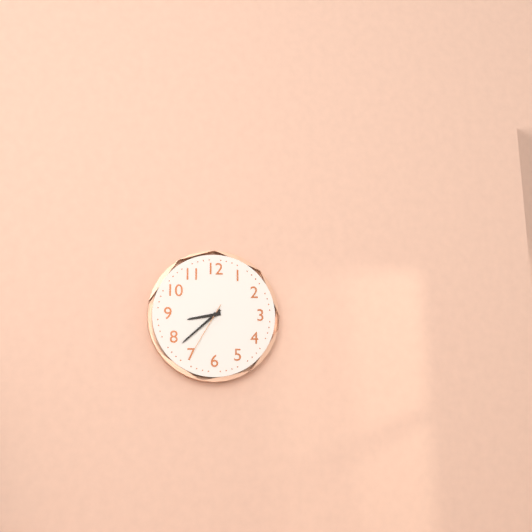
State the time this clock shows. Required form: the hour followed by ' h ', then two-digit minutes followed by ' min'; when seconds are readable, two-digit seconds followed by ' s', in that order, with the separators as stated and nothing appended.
8 h 38 min 35 s
